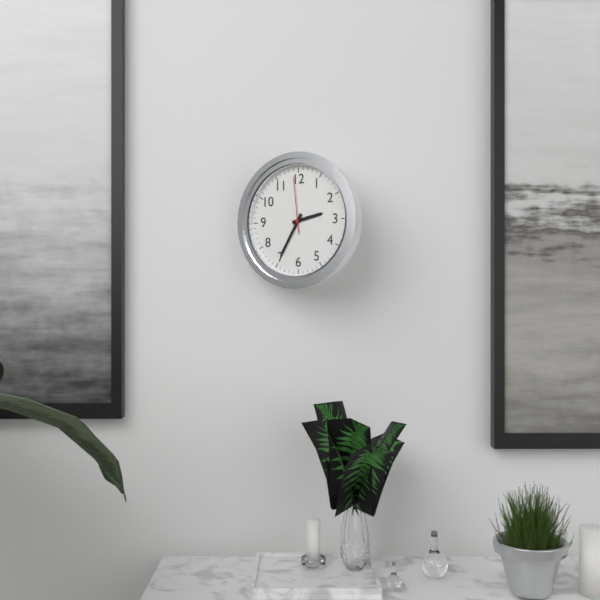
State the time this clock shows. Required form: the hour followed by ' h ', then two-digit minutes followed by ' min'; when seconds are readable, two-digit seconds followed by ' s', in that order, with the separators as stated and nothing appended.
2 h 35 min 59 s
